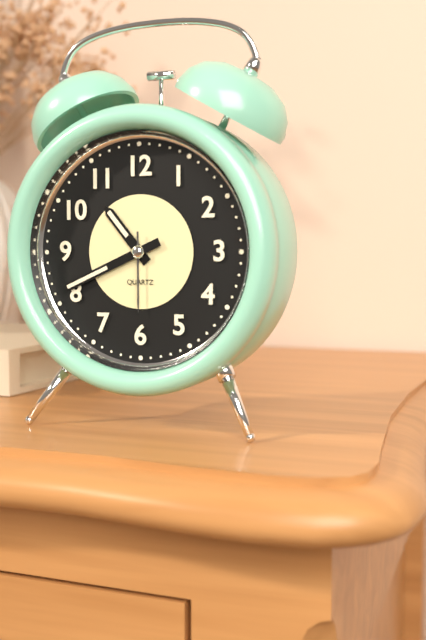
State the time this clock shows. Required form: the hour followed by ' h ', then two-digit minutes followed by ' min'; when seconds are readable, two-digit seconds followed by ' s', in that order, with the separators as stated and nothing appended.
10 h 41 min 30 s
